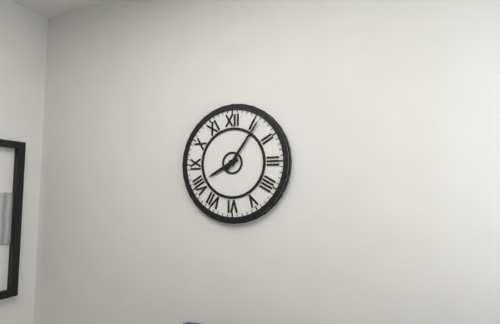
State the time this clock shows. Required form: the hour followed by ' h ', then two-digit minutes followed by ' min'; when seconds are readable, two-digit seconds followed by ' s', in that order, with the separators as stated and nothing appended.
8 h 06 min
